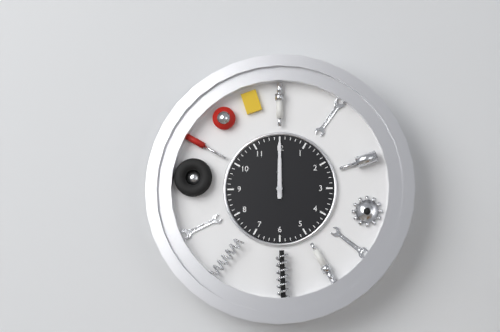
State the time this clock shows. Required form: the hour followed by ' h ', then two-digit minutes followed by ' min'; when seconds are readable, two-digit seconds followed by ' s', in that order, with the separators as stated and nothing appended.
12 h 00 min
